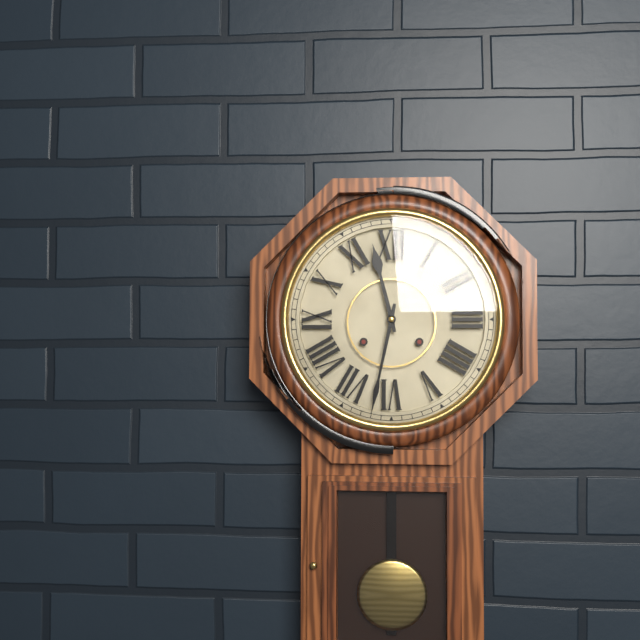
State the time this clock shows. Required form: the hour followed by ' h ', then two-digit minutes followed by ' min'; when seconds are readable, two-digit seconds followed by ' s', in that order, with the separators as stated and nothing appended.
11 h 32 min
